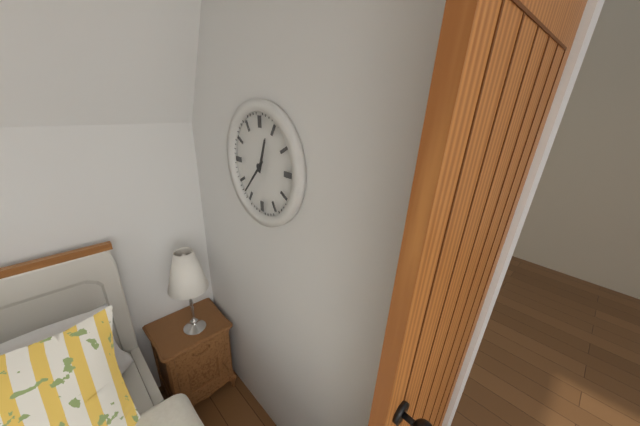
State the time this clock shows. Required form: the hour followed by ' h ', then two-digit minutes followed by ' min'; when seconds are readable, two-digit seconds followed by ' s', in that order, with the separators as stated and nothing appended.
12 h 37 min
